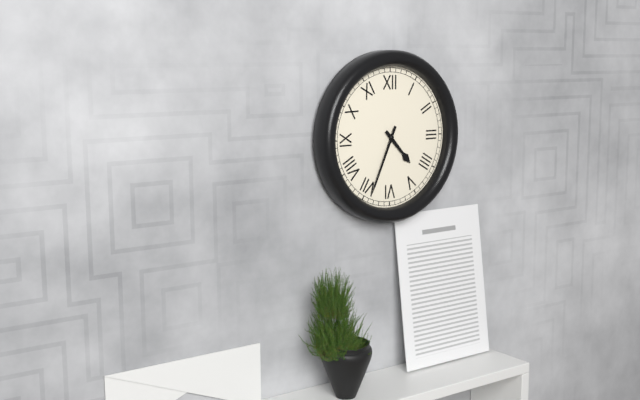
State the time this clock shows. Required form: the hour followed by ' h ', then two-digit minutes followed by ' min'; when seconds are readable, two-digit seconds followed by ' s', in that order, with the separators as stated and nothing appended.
4 h 34 min
